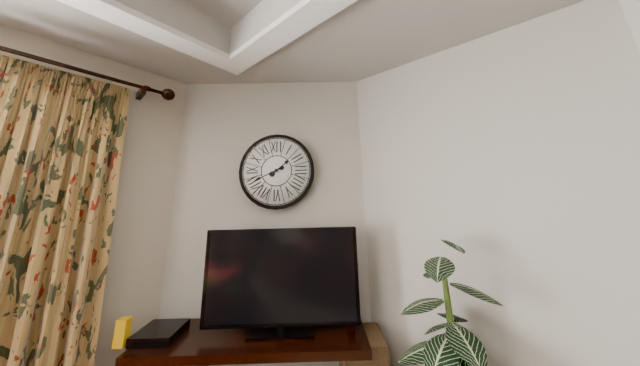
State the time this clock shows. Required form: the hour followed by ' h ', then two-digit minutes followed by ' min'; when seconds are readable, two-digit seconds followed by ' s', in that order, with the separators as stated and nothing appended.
1 h 41 min
